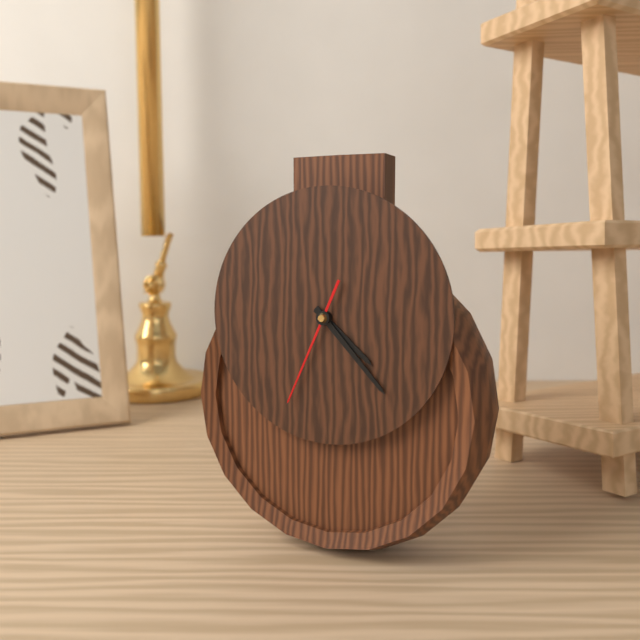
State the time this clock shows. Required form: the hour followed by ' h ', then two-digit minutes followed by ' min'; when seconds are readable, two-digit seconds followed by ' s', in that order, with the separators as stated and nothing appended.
4 h 23 min 34 s
